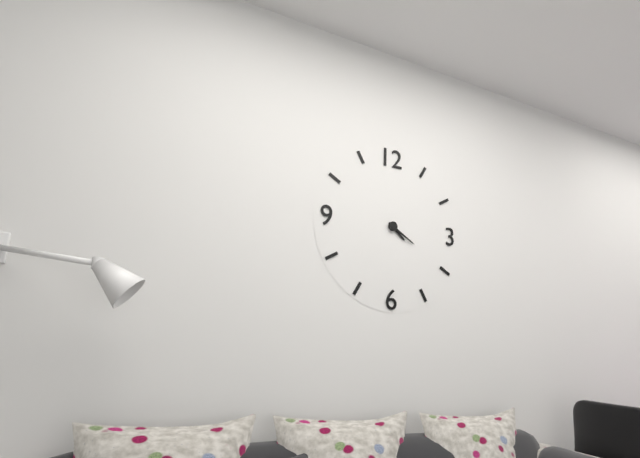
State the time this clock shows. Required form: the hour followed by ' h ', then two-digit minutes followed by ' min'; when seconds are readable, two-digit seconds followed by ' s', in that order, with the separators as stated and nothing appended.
4 h 20 min
